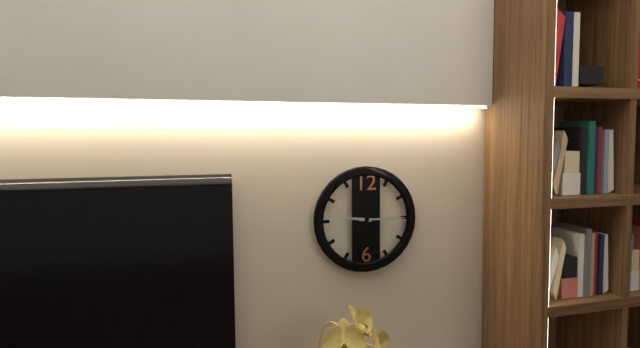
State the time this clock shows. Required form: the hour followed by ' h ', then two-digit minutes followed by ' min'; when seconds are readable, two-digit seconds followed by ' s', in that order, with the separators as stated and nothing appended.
9 h 15 min
